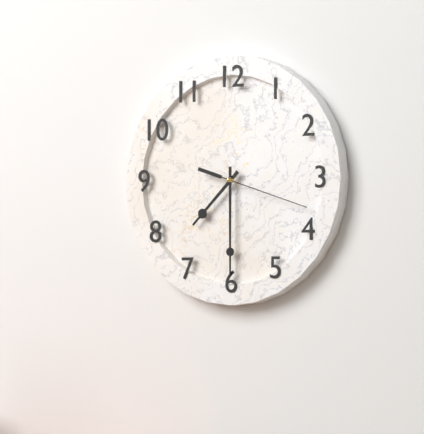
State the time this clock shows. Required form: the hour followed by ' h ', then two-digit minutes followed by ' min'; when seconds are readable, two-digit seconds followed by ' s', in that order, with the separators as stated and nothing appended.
7 h 30 min 18 s
